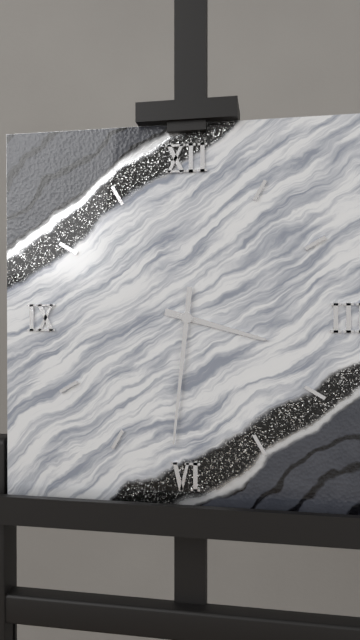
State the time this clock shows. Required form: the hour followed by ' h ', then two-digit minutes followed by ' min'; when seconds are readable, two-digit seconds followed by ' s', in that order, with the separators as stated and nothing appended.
3 h 31 min
